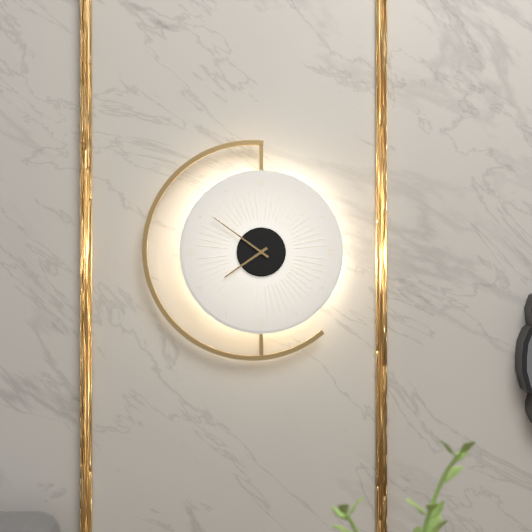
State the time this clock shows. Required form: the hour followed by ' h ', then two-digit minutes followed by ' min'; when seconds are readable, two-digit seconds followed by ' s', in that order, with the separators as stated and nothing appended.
7 h 51 min
